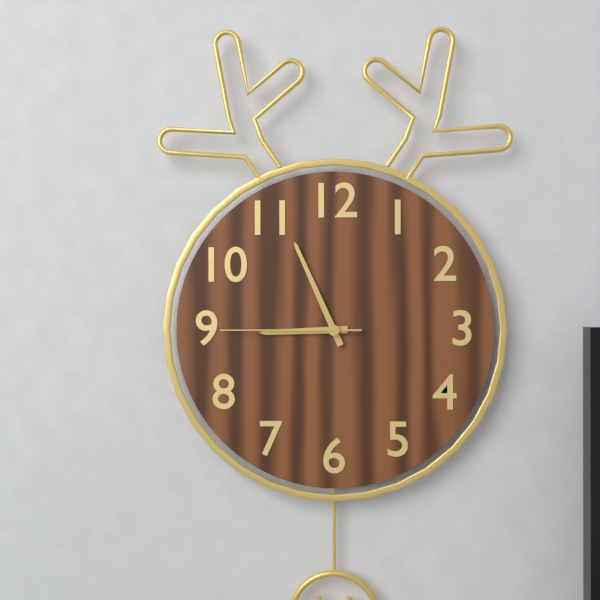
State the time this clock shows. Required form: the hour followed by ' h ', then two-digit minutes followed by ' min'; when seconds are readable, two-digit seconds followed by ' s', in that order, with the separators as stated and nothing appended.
8 h 56 min 45 s
